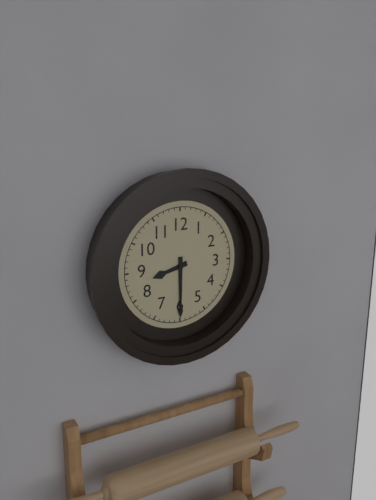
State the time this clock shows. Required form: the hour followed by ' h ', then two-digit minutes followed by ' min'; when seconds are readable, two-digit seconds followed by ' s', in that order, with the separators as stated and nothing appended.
8 h 30 min
